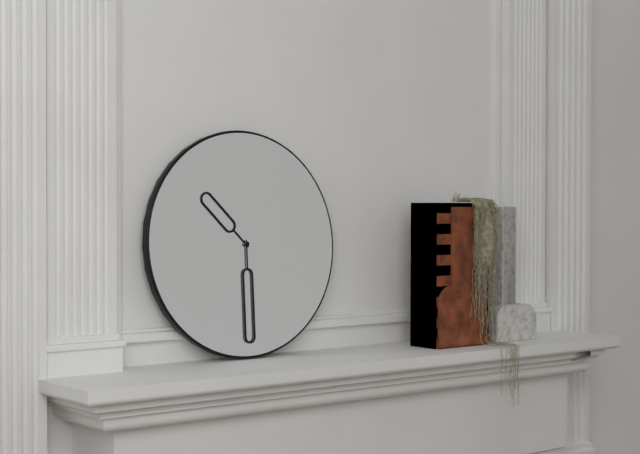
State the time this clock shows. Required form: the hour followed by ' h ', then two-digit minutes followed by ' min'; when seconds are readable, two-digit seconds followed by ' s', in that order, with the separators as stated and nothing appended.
10 h 30 min
